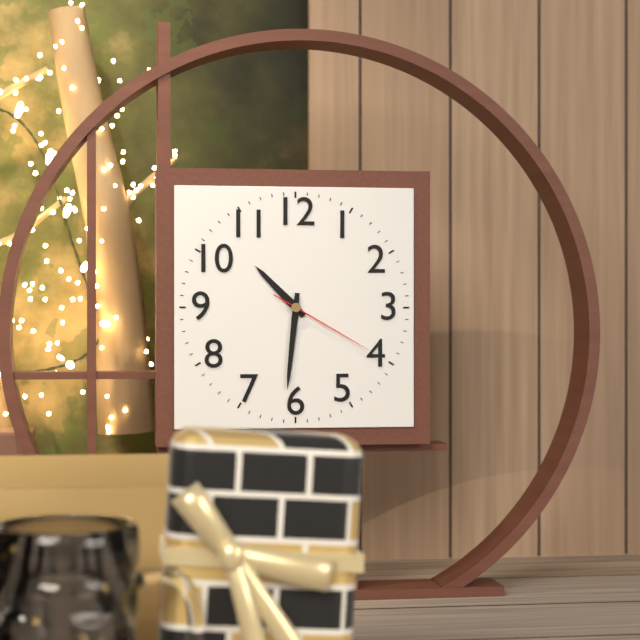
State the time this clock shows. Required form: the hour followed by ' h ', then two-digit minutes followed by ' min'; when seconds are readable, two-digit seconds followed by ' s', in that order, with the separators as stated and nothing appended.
10 h 31 min 20 s
